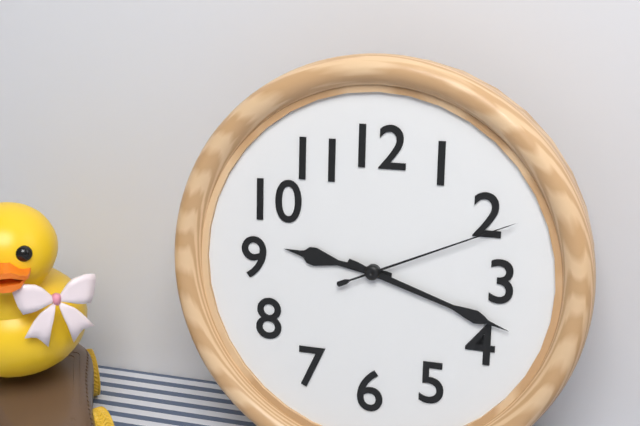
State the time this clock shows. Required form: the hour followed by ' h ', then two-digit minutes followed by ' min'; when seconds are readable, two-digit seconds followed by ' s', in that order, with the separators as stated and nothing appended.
9 h 18 min 11 s
